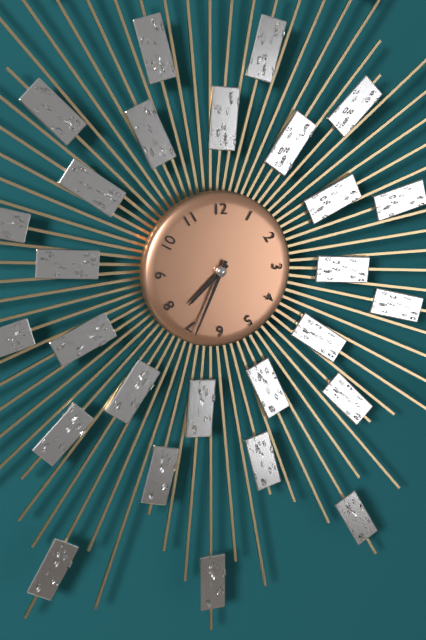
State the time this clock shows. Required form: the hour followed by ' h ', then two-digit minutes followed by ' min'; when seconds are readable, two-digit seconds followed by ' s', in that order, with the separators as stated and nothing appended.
7 h 34 min
